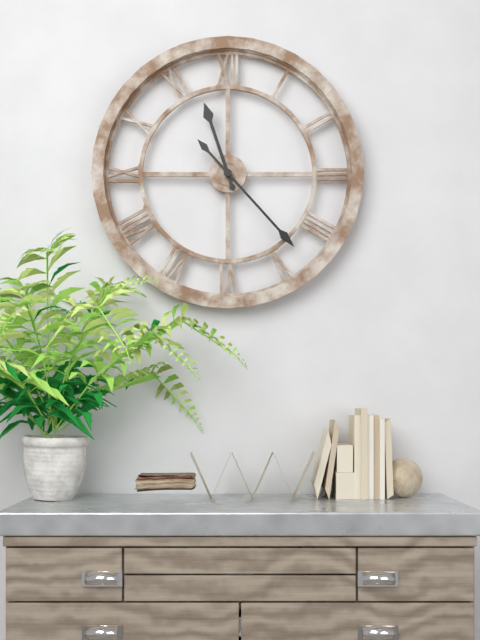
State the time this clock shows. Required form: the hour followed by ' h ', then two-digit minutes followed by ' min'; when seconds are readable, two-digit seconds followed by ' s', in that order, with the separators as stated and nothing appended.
11 h 23 min
